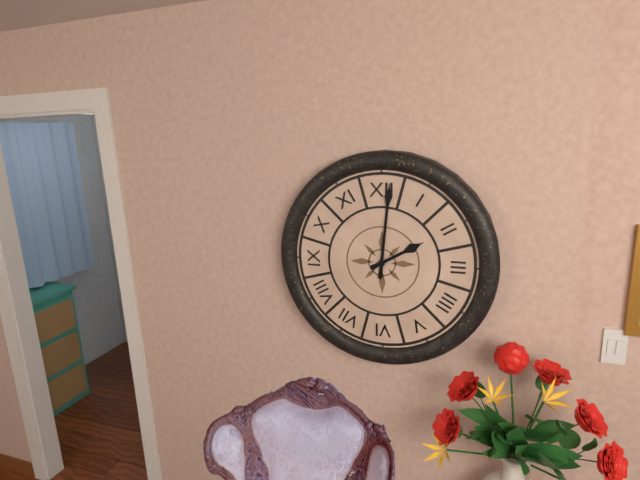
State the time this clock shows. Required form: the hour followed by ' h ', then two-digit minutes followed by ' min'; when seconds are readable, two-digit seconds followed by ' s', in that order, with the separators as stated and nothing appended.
2 h 01 min
